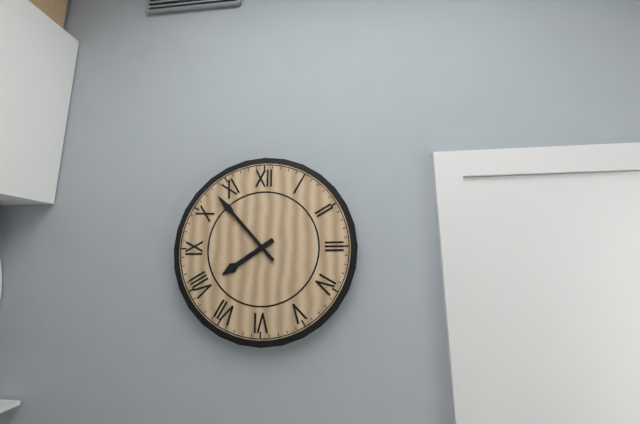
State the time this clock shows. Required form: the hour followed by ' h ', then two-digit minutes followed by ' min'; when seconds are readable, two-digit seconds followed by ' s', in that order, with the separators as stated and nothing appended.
7 h 53 min
